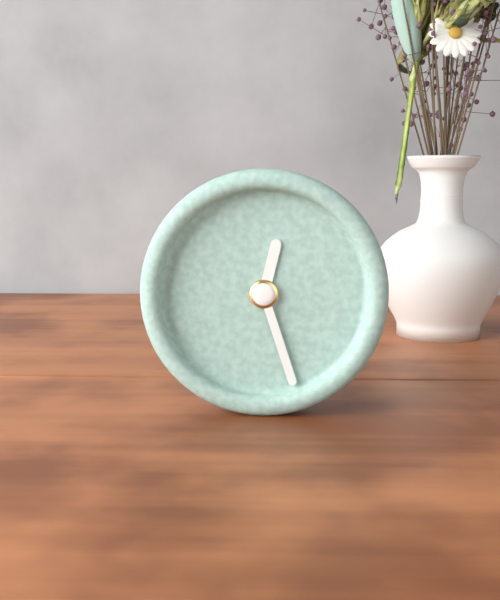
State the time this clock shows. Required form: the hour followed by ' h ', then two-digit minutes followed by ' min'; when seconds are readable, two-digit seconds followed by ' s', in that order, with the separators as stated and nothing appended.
12 h 27 min
